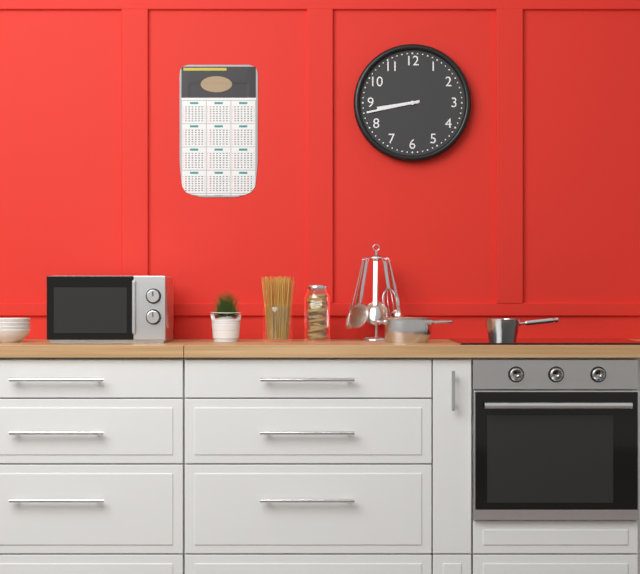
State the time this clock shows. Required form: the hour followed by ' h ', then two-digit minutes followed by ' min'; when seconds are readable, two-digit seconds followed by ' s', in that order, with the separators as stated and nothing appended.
8 h 43 min
